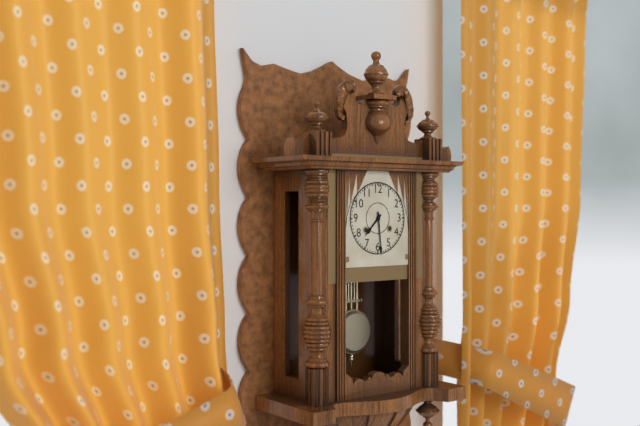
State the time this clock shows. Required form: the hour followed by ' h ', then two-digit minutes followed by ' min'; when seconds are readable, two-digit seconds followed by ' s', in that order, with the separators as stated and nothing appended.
7 h 29 min
